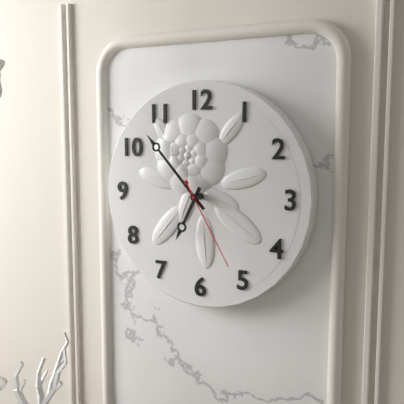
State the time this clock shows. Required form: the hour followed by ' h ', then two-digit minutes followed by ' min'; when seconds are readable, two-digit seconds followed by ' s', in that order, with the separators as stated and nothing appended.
6 h 53 min 25 s
